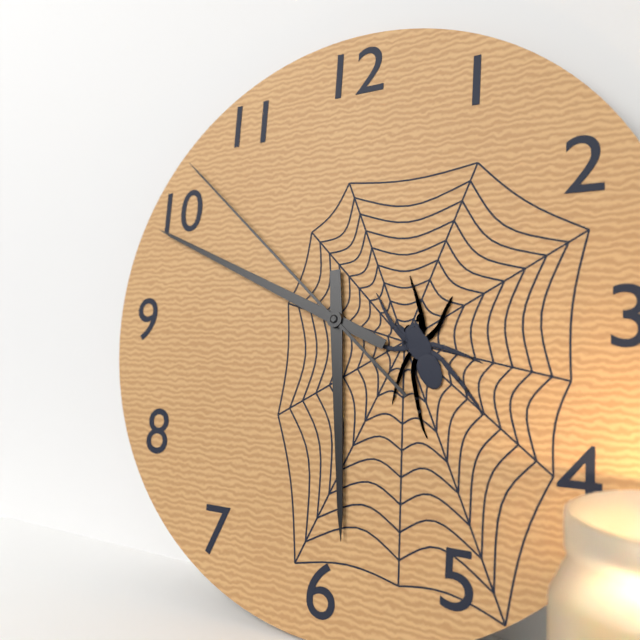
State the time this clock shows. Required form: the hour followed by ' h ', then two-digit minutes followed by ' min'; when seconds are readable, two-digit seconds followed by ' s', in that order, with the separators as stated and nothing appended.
5 h 49 min 52 s
